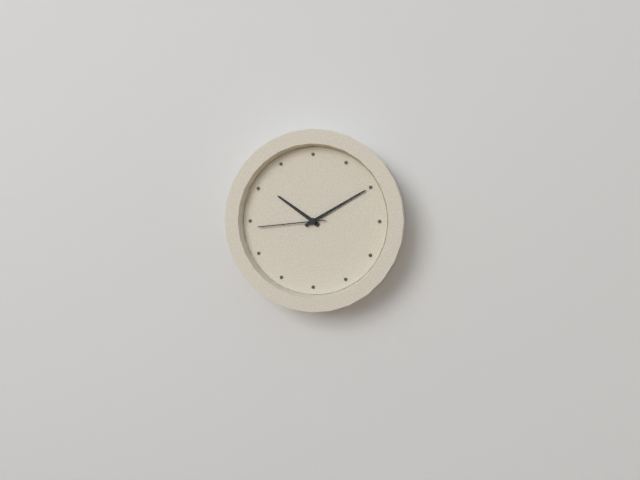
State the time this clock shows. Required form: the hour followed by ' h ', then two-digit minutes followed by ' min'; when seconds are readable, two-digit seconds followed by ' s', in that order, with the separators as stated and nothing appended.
10 h 10 min 44 s
